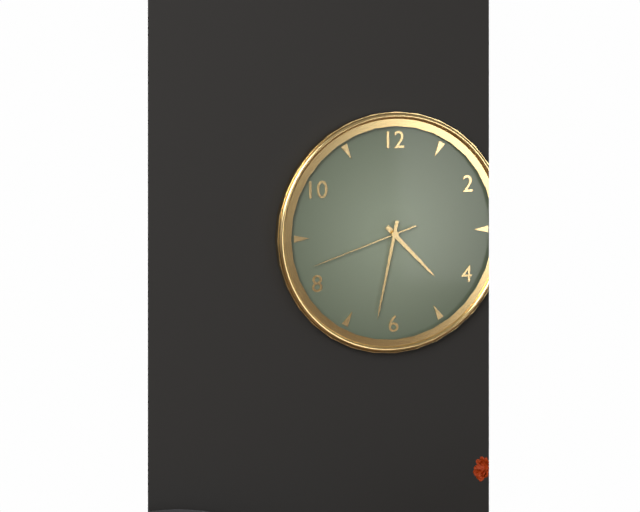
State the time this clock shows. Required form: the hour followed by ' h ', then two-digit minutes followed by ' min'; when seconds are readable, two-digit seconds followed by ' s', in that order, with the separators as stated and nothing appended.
4 h 32 min 42 s
